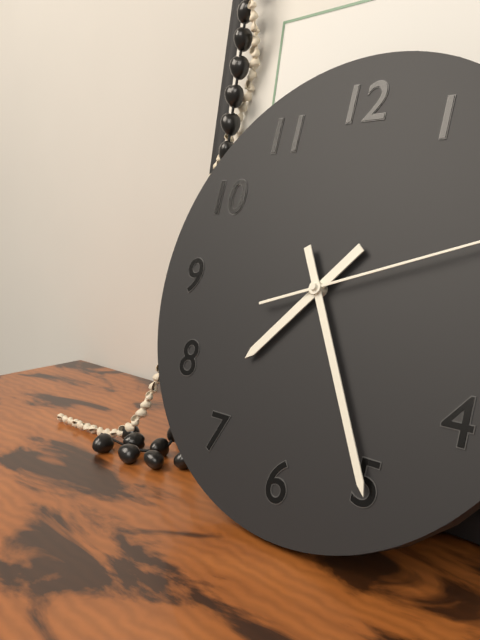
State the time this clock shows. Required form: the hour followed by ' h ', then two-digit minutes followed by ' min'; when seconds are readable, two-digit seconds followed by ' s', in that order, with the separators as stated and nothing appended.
7 h 25 min
